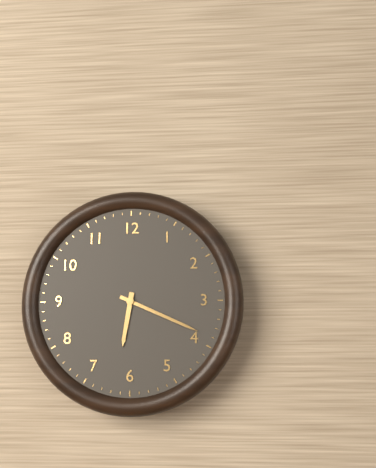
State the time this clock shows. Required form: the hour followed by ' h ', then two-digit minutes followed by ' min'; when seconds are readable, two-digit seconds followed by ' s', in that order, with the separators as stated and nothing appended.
6 h 19 min
